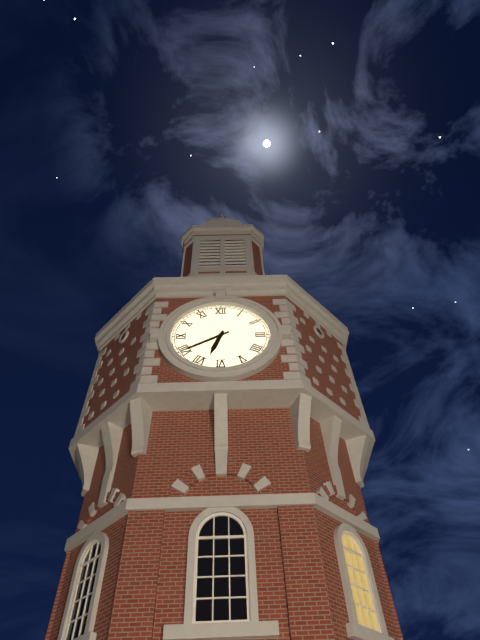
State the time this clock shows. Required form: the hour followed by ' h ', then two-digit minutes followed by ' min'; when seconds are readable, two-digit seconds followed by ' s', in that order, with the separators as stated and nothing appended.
6 h 40 min
